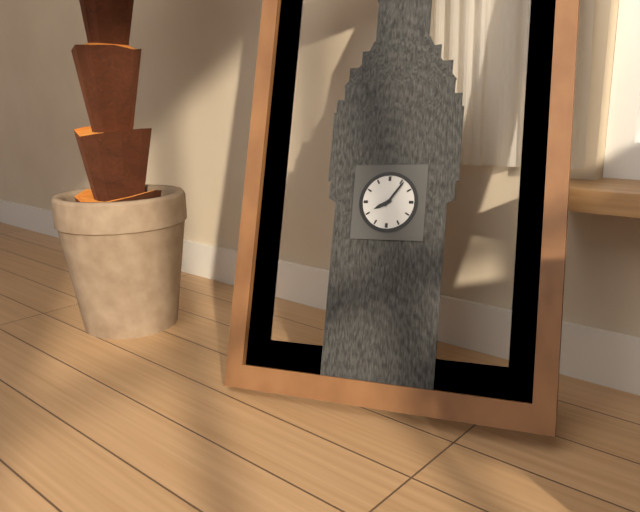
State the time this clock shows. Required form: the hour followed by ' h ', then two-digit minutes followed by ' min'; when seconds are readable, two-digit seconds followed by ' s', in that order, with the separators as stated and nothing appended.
8 h 06 min
